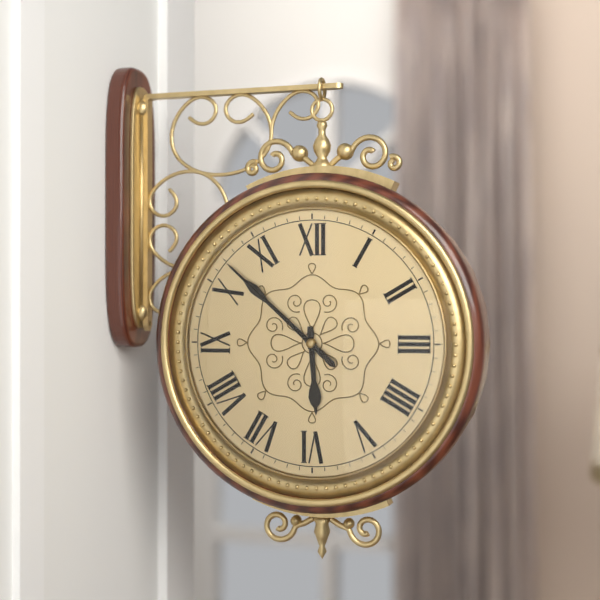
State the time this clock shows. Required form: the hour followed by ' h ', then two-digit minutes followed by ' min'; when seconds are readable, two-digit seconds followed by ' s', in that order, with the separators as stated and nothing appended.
5 h 52 min 52 s
